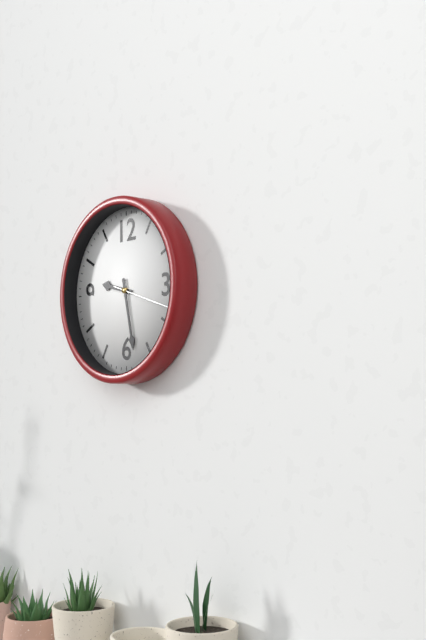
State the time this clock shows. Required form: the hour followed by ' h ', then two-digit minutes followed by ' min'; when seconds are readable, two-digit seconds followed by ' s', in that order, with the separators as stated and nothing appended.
9 h 28 min
